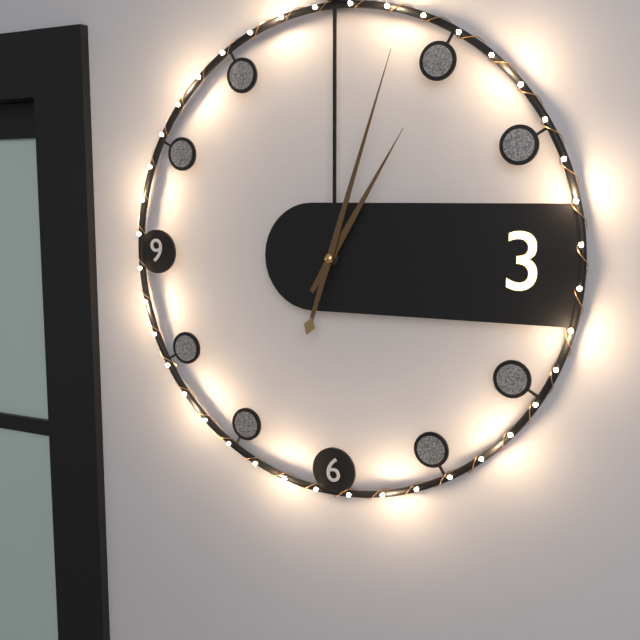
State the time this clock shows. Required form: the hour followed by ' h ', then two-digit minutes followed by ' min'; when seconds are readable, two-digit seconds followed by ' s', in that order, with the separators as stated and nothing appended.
1 h 03 min
